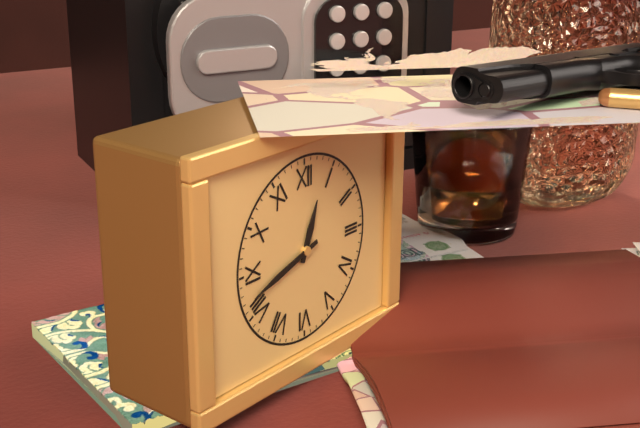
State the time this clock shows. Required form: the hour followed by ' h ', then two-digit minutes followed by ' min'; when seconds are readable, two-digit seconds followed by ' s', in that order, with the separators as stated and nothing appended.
12 h 42 min
